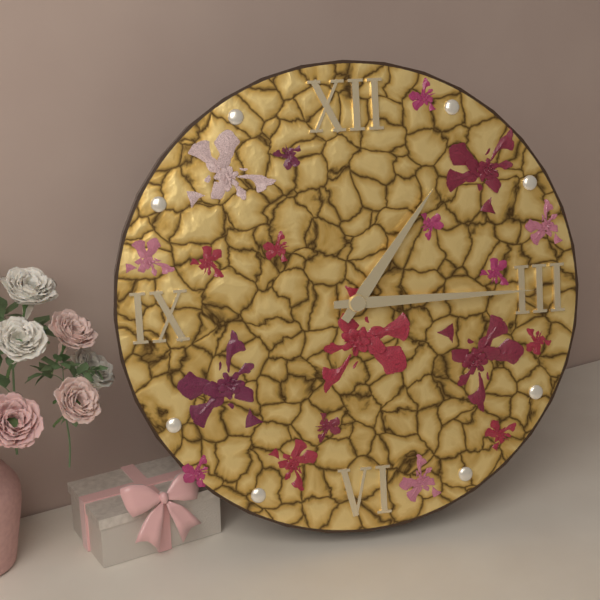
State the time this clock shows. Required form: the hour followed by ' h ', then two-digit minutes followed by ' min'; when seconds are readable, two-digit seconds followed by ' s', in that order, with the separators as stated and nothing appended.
1 h 15 min
